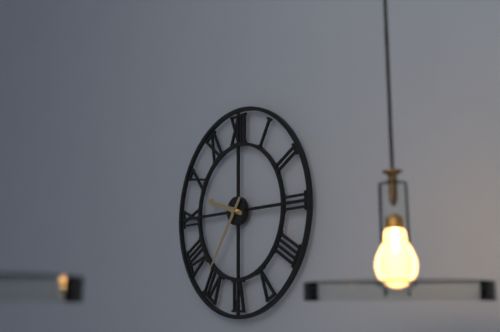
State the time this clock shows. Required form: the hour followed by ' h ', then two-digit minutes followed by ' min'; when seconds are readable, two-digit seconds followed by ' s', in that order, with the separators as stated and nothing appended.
9 h 36 min
